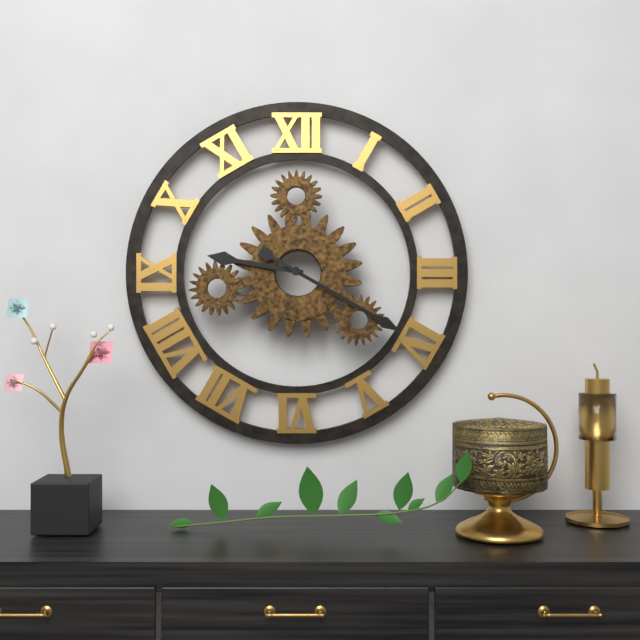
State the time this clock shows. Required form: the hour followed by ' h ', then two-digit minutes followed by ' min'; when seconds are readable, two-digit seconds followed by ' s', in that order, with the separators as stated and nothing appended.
9 h 20 min
